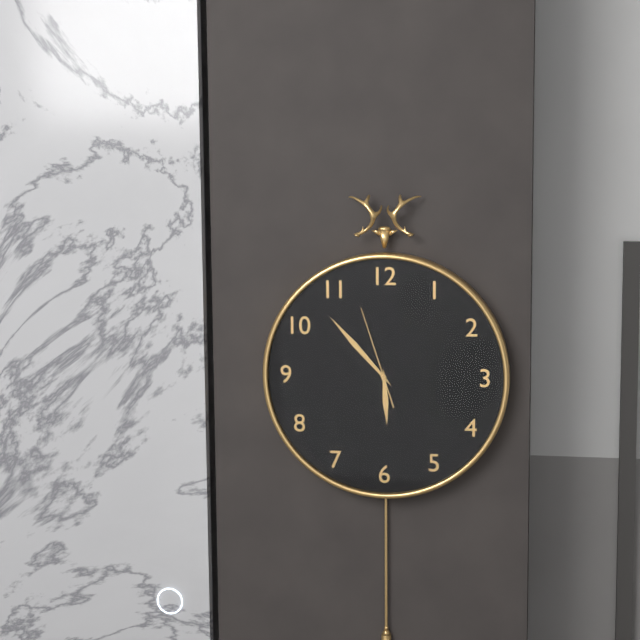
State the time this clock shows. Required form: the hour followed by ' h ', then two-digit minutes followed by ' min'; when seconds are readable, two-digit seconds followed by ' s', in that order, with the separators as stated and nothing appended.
5 h 53 min 57 s
